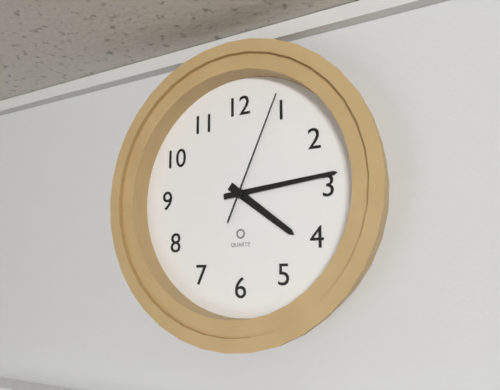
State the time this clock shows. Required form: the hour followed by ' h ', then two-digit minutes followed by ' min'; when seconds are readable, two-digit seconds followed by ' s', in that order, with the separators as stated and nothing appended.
4 h 14 min 04 s
